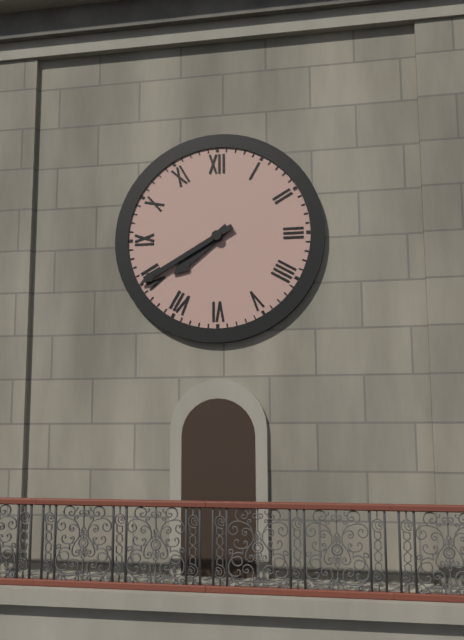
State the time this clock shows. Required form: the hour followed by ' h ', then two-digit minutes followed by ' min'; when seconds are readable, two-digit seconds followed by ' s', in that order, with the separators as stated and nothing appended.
7 h 40 min
